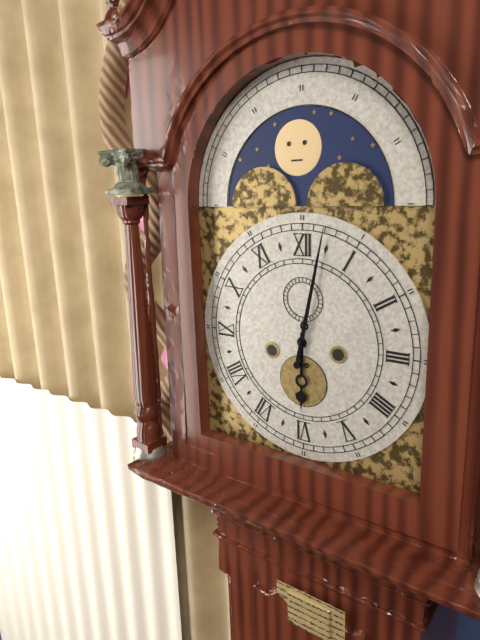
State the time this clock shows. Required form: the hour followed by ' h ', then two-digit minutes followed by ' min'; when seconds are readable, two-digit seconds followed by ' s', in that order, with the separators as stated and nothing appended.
6 h 02 min
